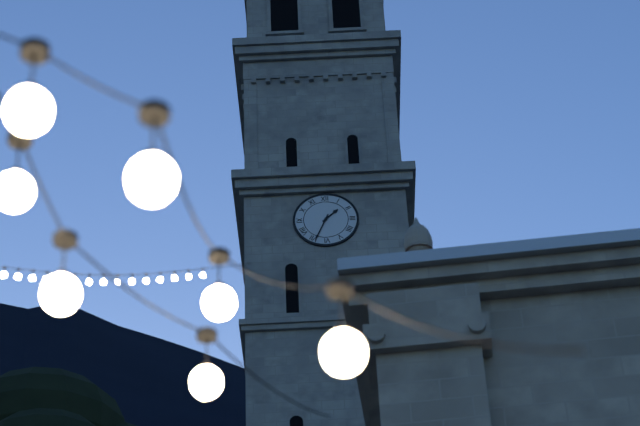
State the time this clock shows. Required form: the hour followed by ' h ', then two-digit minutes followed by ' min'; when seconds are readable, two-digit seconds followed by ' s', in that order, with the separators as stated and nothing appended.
1 h 34 min
